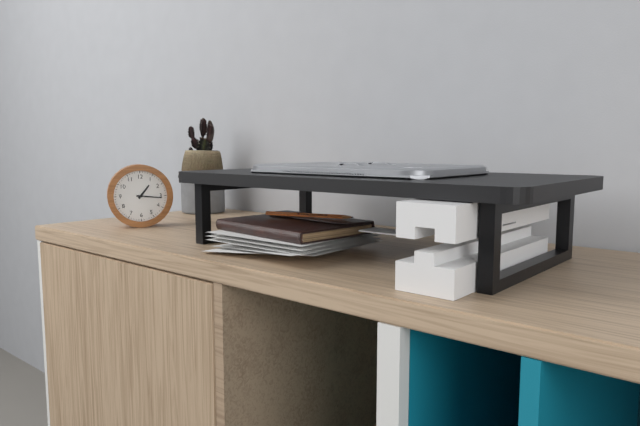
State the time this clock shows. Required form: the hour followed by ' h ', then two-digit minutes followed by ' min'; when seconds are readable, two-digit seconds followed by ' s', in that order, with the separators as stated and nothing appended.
1 h 16 min
